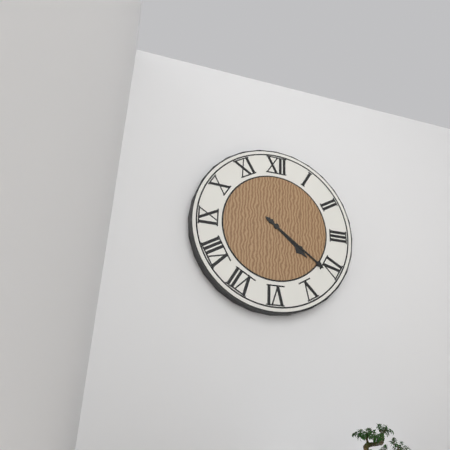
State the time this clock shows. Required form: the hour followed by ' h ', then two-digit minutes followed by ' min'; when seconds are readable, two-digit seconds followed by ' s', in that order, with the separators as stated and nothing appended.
4 h 21 min
